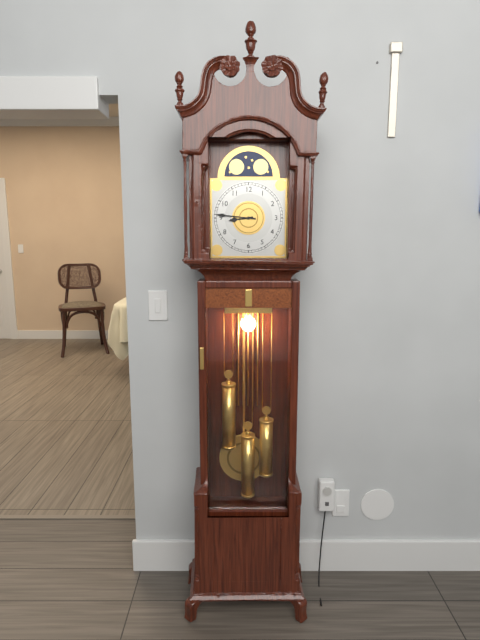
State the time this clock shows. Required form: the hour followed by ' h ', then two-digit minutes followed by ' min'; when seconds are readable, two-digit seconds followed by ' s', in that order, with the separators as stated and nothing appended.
8 h 46 min
